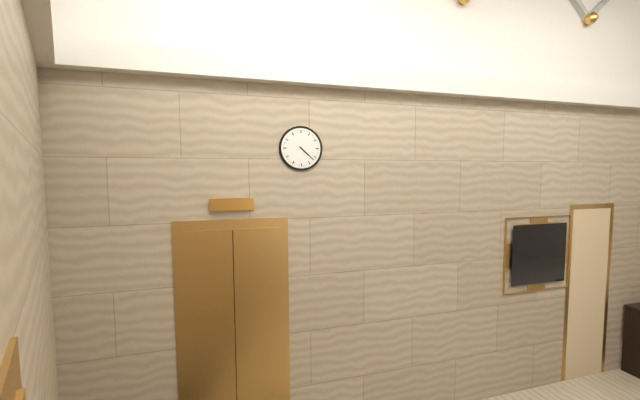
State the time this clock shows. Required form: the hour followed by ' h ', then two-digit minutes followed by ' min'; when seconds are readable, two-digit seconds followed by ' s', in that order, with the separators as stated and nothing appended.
4 h 22 min
